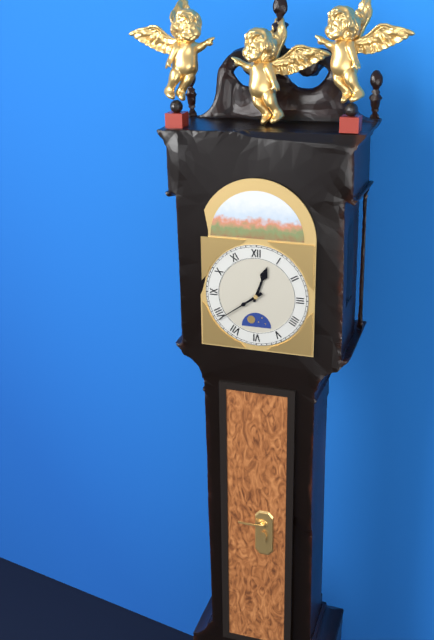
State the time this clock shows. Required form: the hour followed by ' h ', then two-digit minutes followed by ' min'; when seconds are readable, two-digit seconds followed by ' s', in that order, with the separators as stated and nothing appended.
12 h 39 min
